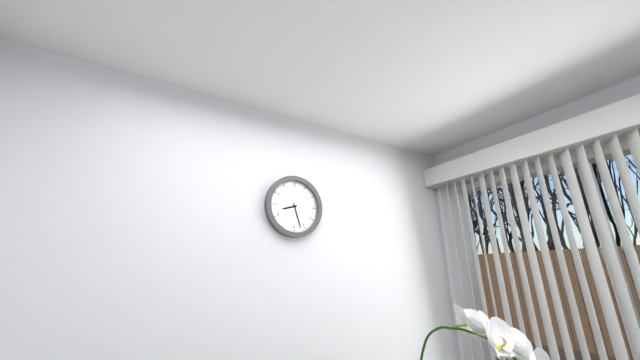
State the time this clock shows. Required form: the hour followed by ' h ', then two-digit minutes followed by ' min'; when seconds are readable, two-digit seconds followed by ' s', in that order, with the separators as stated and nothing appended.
8 h 27 min
